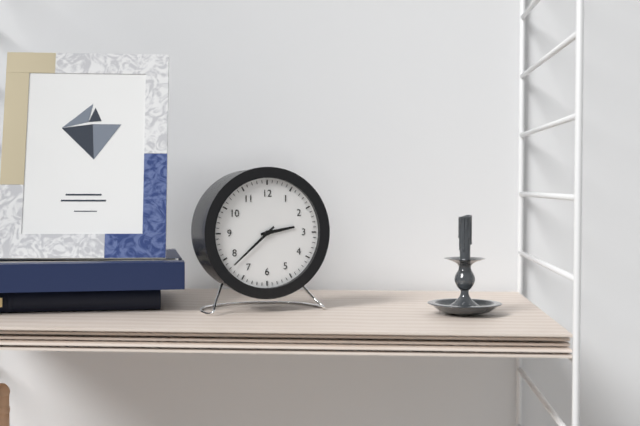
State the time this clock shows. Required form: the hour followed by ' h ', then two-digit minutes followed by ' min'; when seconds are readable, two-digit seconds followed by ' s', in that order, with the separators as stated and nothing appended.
2 h 38 min
